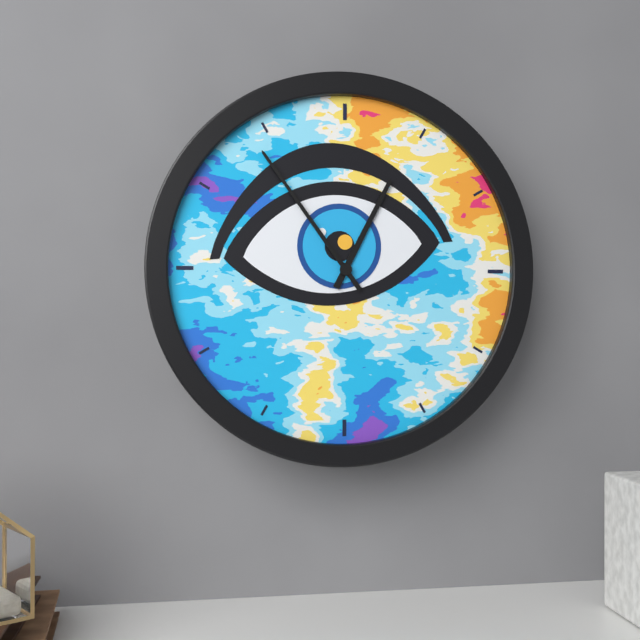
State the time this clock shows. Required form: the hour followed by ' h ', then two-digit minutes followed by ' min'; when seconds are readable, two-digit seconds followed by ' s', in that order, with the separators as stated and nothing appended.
12 h 54 min
